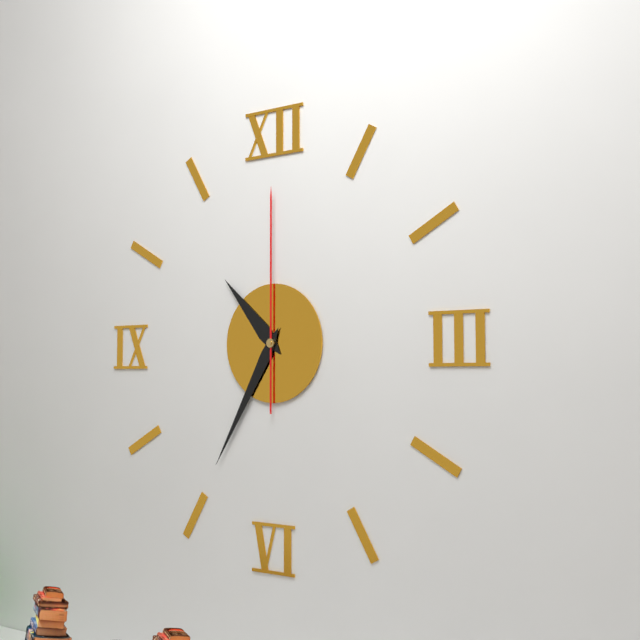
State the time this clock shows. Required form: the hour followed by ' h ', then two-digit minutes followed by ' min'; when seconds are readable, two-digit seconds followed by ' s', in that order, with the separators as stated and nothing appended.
10 h 35 min 00 s
